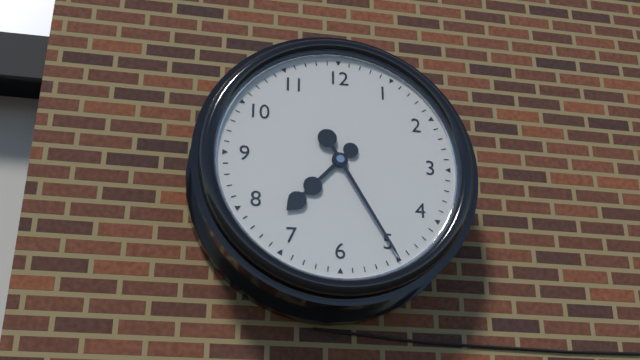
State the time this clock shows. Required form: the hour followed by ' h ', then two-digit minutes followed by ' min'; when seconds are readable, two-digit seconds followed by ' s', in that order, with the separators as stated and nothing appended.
7 h 25 min
